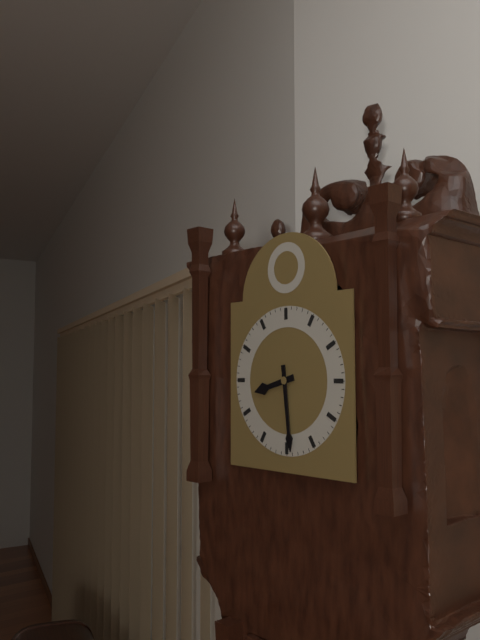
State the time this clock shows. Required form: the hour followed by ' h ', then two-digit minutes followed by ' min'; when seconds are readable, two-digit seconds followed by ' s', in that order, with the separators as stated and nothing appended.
8 h 29 min
